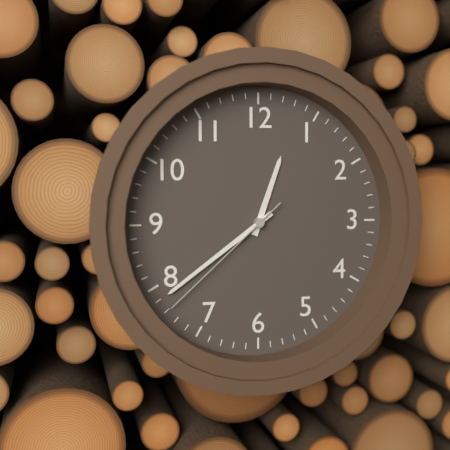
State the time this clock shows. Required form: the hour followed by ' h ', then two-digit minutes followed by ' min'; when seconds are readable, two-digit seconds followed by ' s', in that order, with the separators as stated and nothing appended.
12 h 39 min 38 s
